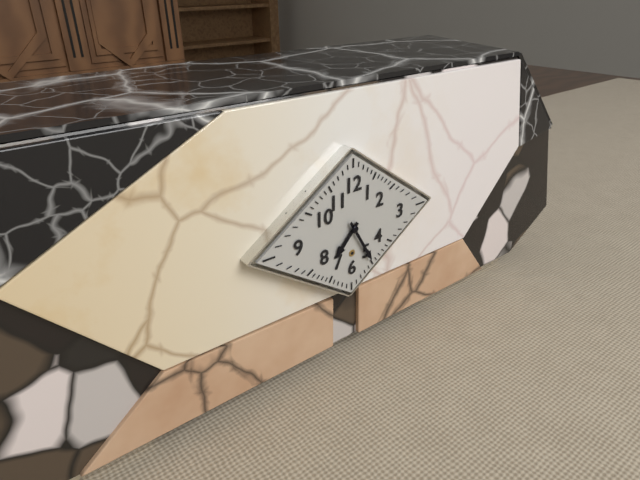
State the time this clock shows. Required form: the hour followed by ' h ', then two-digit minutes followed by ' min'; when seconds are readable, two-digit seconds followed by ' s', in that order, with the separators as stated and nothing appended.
7 h 25 min
